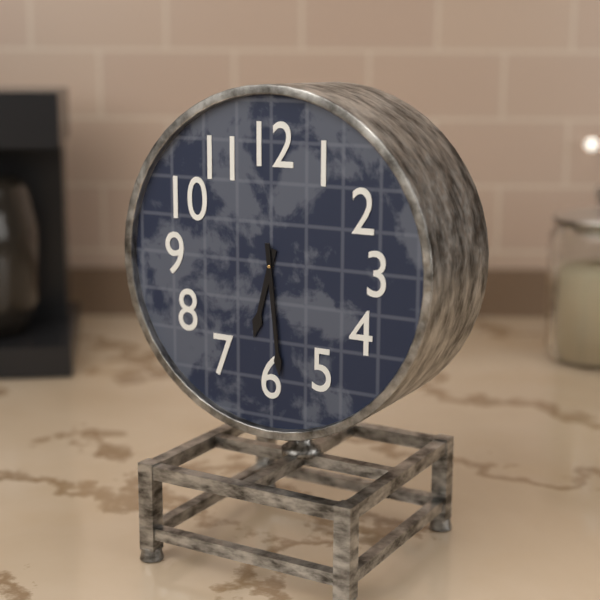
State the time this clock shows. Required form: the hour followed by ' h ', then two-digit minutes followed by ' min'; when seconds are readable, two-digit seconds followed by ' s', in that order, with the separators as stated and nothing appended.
6 h 29 min
